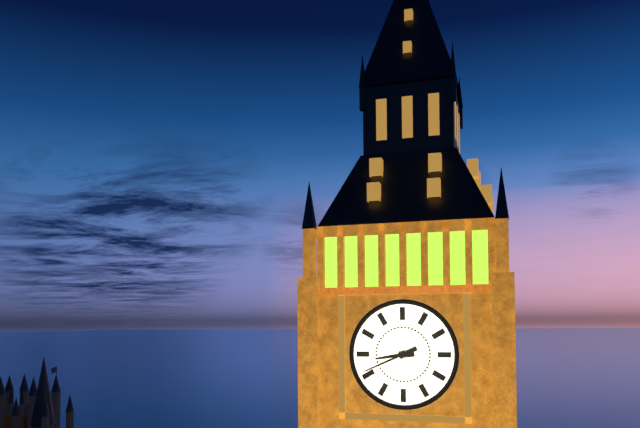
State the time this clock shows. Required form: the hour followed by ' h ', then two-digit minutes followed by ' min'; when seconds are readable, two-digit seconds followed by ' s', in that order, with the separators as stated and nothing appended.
8 h 41 min
